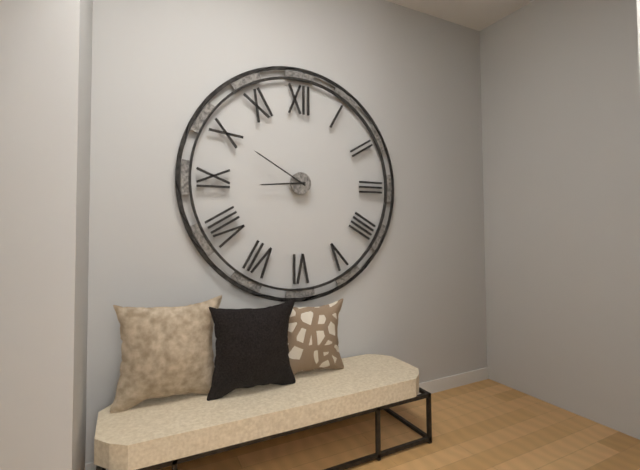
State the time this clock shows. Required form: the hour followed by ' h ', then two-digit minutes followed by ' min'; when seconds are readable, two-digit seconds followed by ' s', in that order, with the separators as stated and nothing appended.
8 h 50 min
